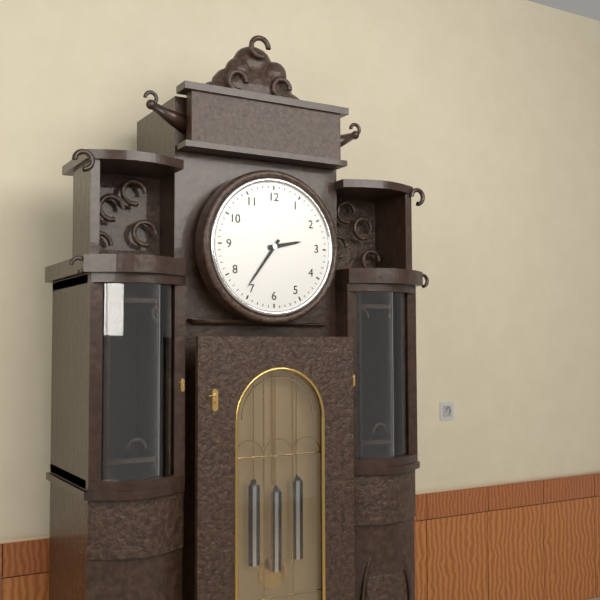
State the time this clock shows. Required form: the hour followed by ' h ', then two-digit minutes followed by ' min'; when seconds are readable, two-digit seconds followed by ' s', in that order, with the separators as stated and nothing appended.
2 h 36 min
